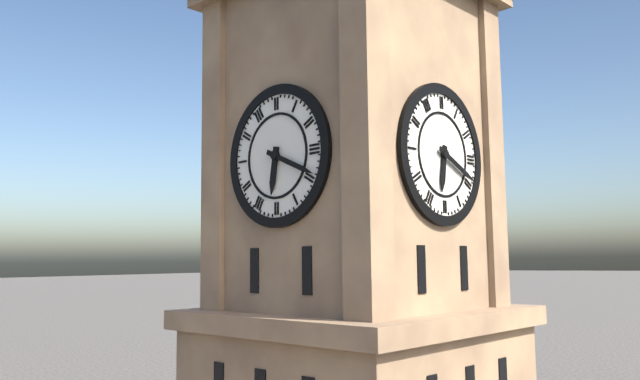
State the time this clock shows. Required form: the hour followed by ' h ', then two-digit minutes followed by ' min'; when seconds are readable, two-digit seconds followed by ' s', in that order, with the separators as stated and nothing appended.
6 h 19 min
